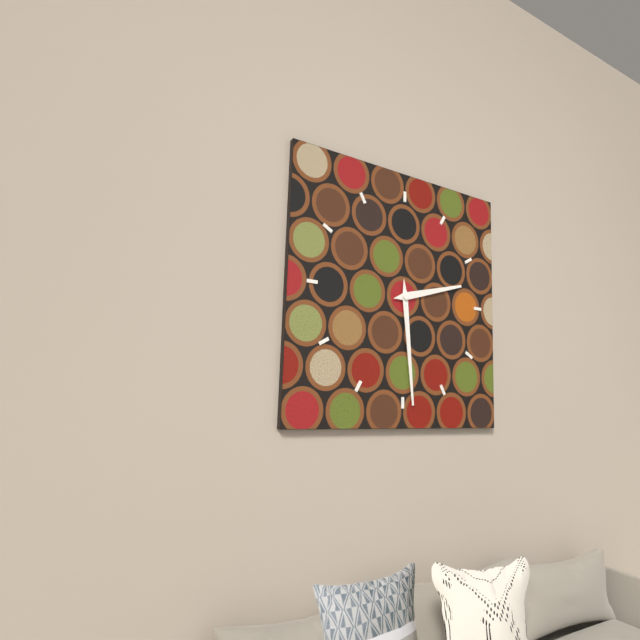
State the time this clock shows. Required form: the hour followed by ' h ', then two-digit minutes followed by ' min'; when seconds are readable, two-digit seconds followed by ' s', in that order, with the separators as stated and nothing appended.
2 h 29 min
